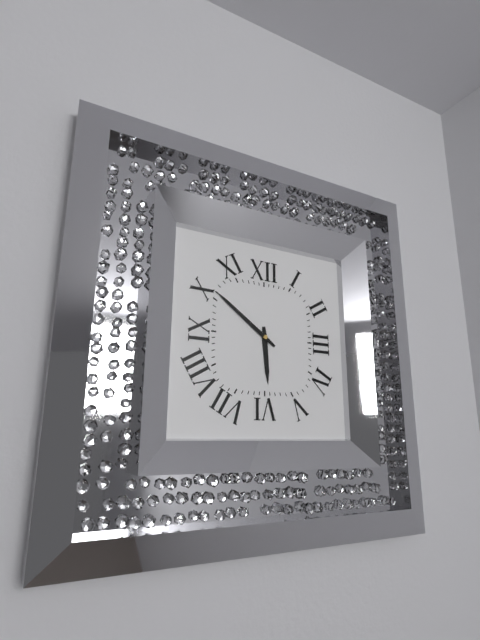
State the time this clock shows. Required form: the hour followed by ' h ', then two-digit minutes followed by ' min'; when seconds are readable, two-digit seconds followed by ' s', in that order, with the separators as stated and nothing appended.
5 h 51 min
